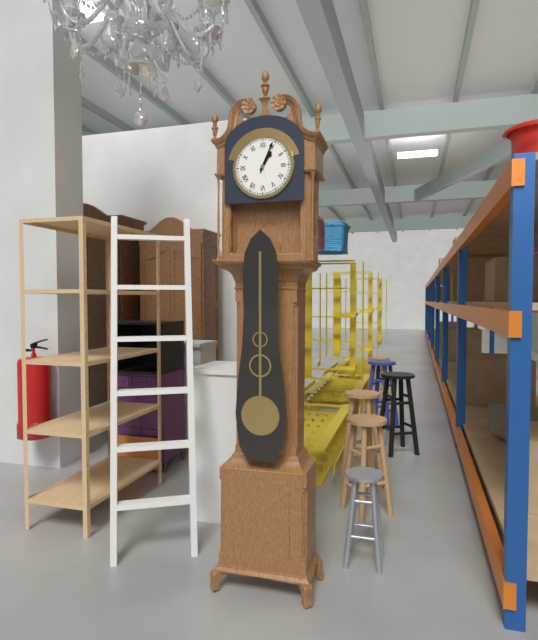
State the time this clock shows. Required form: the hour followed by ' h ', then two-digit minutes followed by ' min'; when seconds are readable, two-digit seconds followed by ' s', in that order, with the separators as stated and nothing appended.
1 h 04 min
